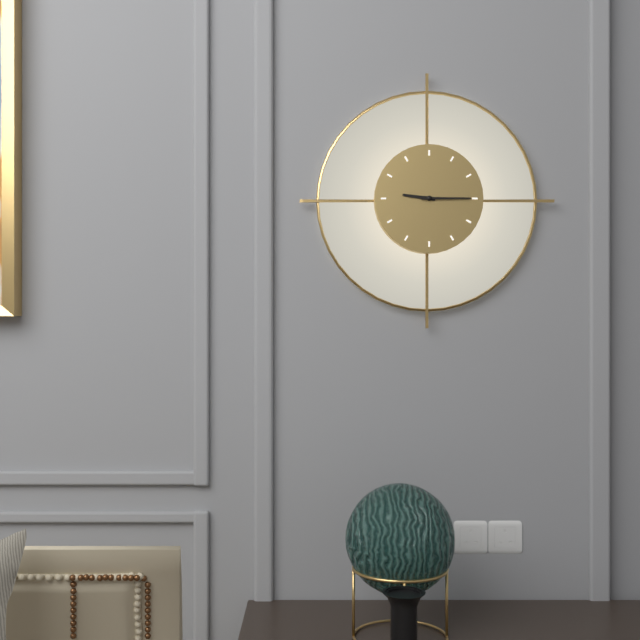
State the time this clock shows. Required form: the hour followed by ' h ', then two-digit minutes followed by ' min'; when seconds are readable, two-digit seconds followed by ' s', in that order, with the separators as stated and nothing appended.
9 h 15 min
